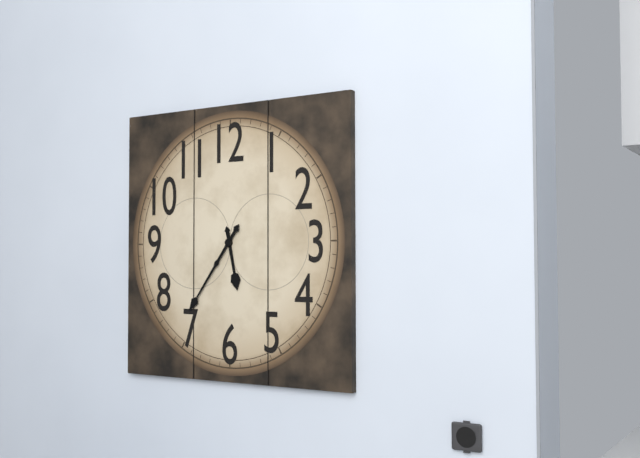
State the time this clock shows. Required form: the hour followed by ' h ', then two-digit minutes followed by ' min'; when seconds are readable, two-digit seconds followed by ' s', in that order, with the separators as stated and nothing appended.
5 h 36 min
